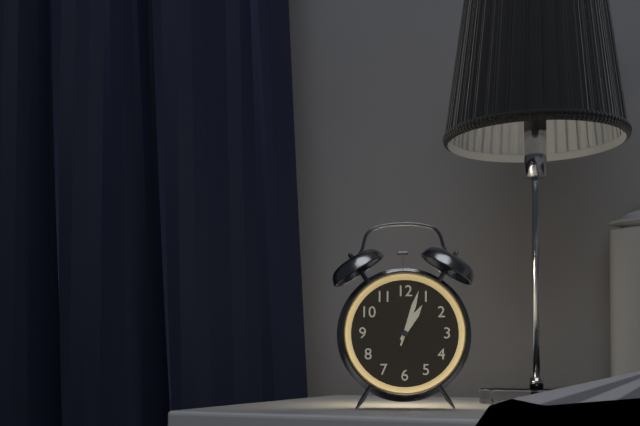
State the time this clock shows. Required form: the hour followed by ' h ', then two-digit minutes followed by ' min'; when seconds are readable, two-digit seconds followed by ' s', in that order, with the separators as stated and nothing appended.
1 h 03 min
